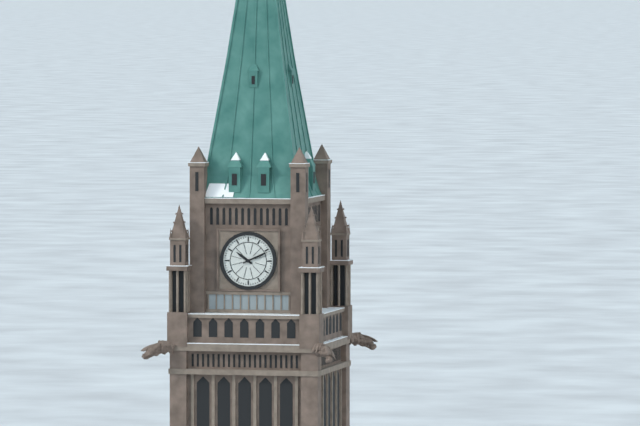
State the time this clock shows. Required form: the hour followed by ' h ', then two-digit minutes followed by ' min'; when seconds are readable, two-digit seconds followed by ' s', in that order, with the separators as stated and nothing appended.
10 h 11 min
